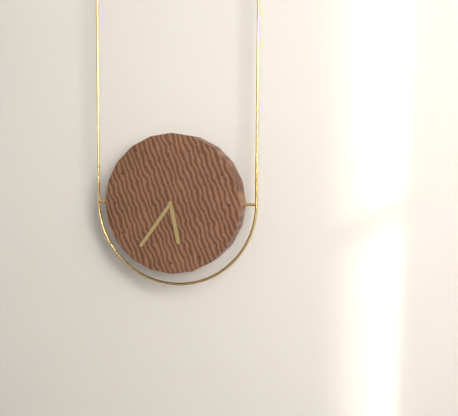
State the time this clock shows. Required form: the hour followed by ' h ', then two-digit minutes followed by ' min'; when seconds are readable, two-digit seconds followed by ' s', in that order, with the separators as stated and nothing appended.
5 h 36 min
